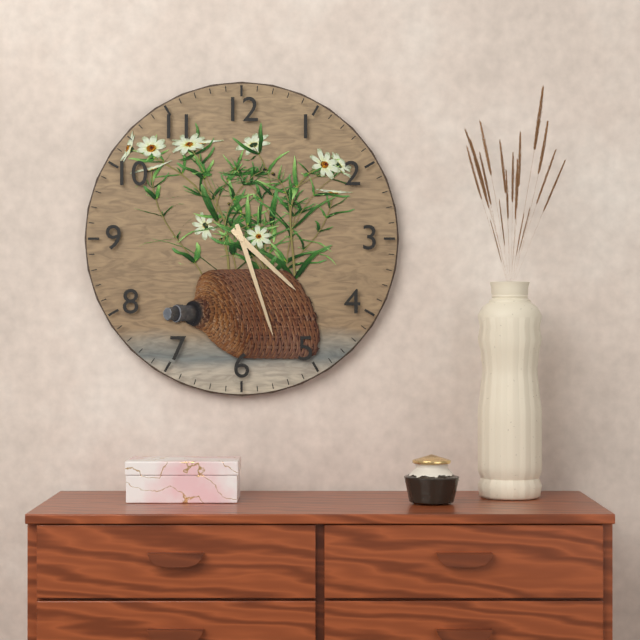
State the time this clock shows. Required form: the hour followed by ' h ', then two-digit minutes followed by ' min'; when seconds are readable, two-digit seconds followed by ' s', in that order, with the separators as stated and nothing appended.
4 h 27 min
